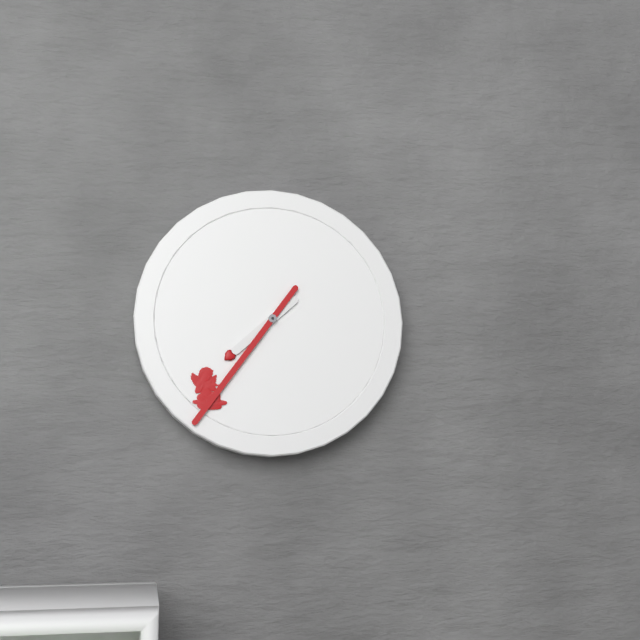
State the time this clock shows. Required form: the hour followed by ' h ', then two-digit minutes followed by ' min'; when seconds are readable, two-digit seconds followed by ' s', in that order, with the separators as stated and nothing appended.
7 h 36 min
